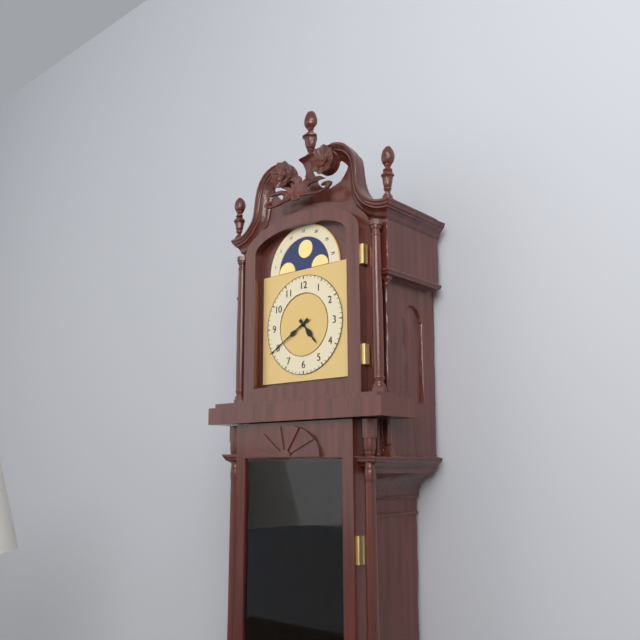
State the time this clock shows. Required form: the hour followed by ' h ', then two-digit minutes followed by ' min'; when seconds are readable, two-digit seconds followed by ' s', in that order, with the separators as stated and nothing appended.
4 h 40 min
